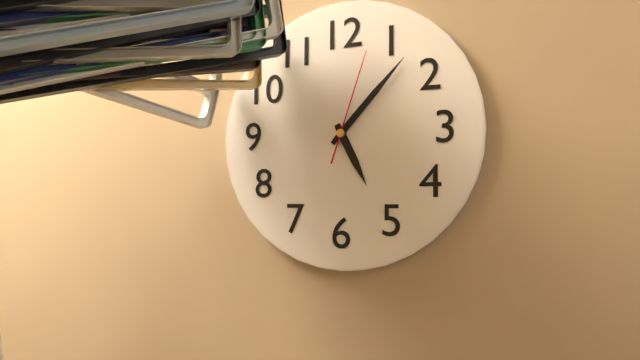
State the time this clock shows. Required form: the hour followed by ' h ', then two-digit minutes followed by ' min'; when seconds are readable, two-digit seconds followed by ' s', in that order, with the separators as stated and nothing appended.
5 h 07 min 03 s
